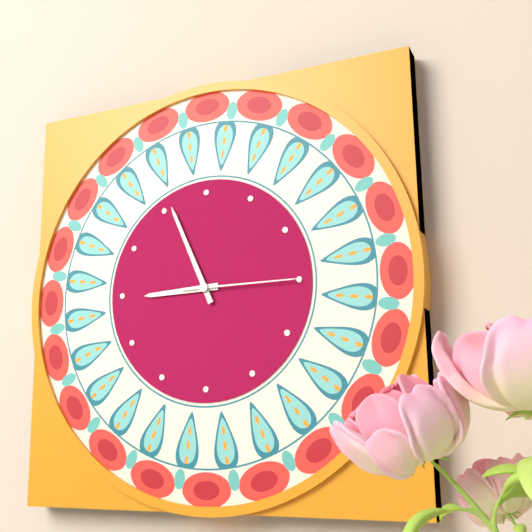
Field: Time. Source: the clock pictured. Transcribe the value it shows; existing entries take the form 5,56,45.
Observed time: 8,56,15
